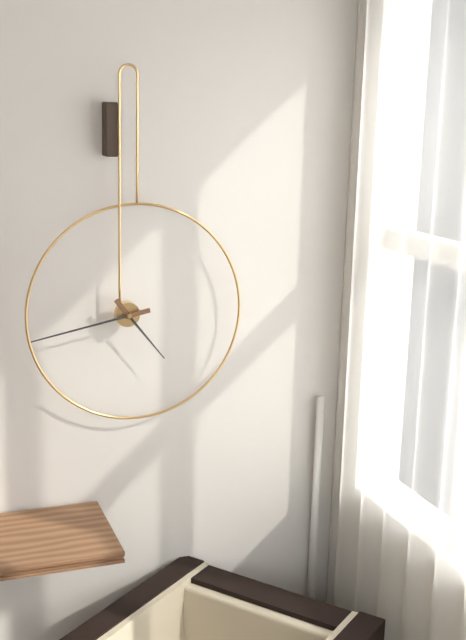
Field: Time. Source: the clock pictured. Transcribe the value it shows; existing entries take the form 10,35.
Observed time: 4,43
